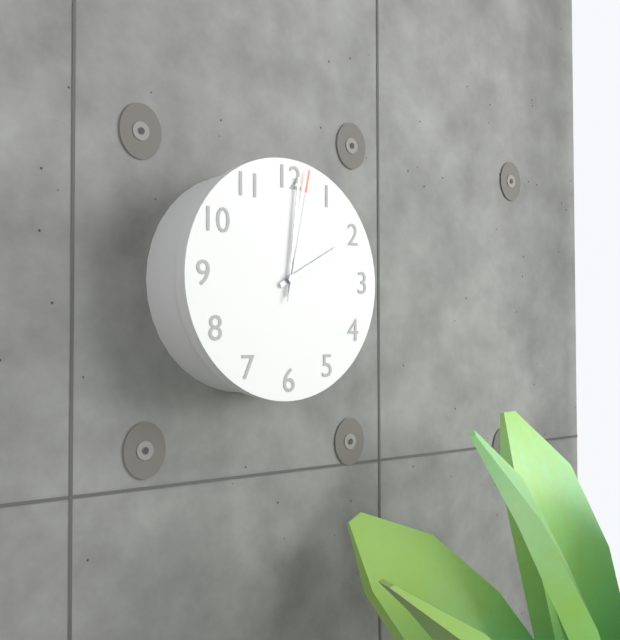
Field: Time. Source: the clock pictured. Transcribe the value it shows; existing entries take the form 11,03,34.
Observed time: 2,01,02
